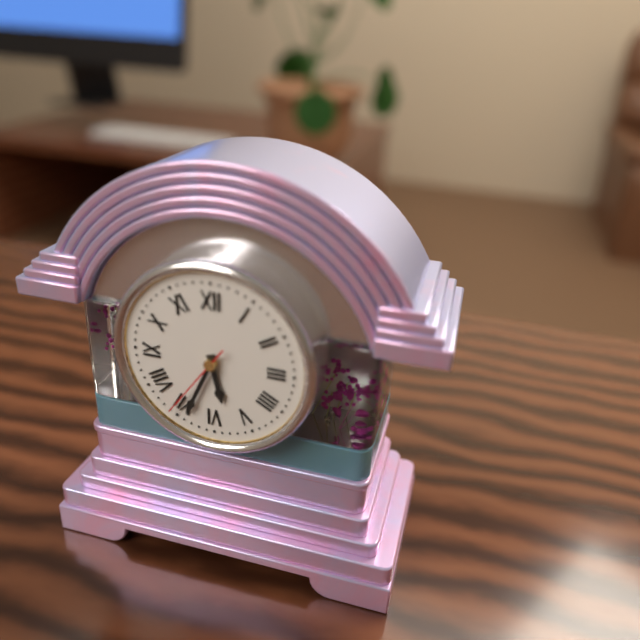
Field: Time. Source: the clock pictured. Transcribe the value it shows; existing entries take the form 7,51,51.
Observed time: 5,34,36
